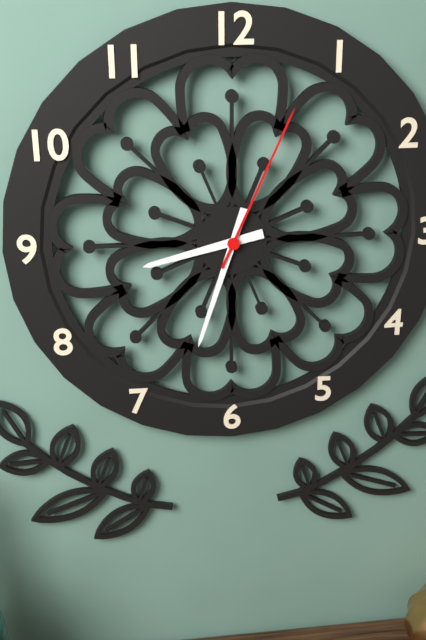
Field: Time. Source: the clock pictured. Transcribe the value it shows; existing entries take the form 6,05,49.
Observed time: 8,33,04
